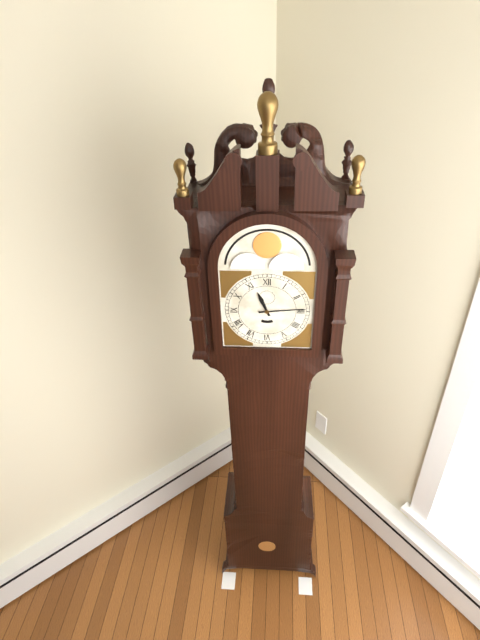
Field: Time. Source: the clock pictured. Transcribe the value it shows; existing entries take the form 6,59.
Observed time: 11,14
